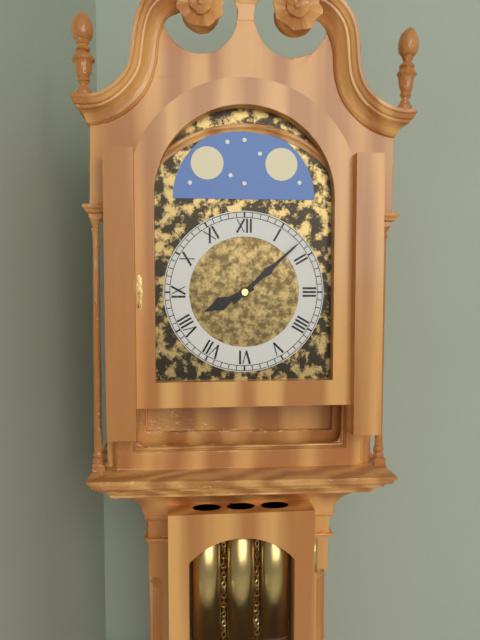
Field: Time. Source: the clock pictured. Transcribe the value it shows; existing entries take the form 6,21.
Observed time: 8,08
